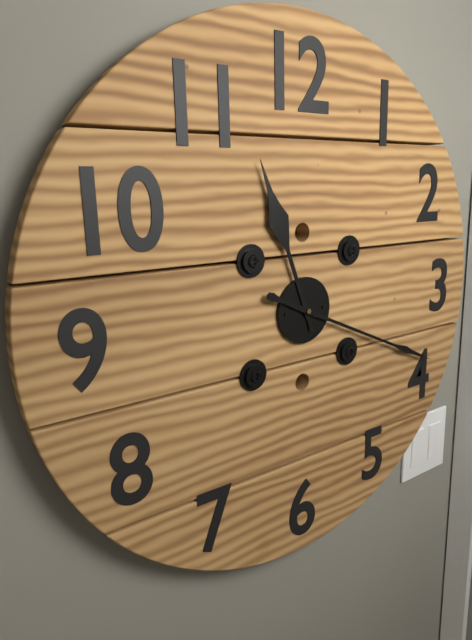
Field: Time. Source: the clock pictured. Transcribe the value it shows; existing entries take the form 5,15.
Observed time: 11,19
